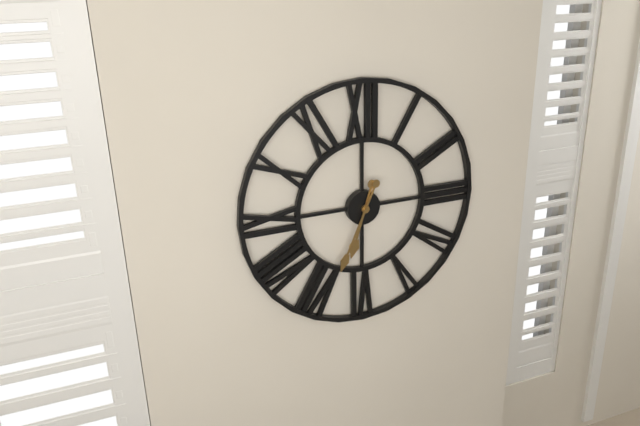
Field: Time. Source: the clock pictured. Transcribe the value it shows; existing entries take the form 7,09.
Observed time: 6,34
